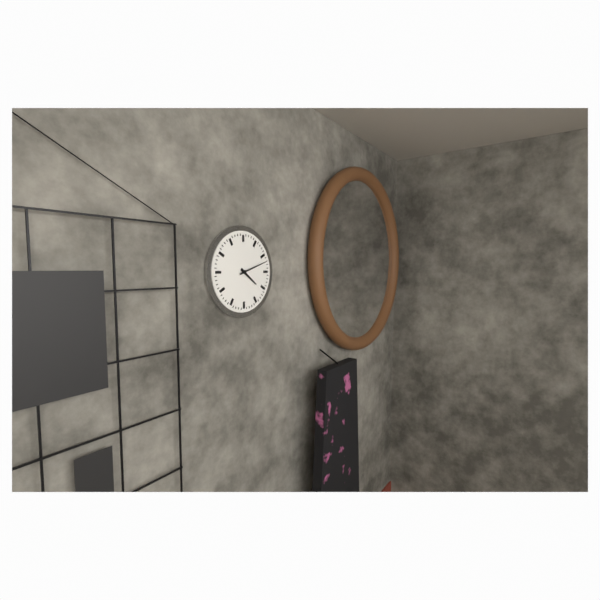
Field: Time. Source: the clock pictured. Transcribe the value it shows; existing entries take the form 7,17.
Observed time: 4,12
